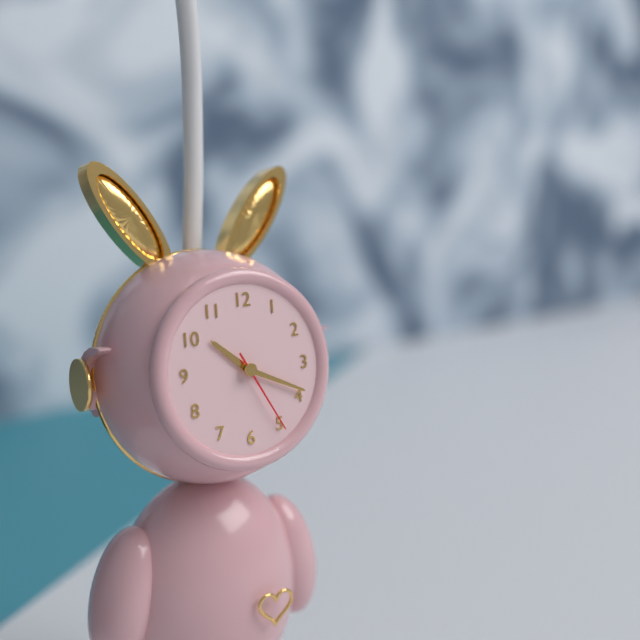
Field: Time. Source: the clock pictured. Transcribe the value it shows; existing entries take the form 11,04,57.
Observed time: 10,19,25
